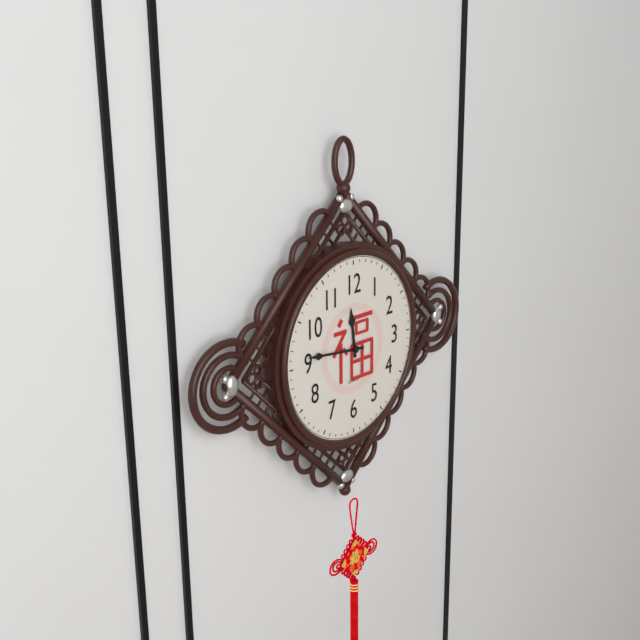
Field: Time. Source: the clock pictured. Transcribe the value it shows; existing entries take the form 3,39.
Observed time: 11,46
